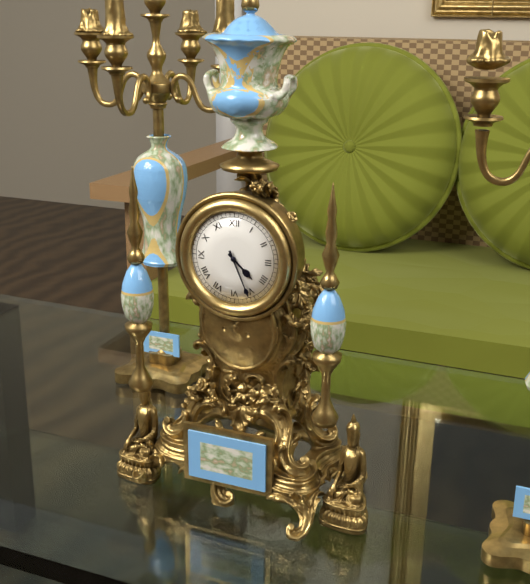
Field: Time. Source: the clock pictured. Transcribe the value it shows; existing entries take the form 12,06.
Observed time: 4,26
